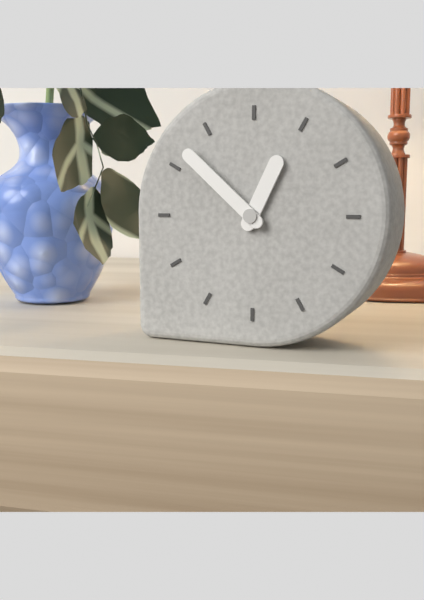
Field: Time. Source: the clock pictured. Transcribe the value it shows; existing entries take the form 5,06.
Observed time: 12,52
